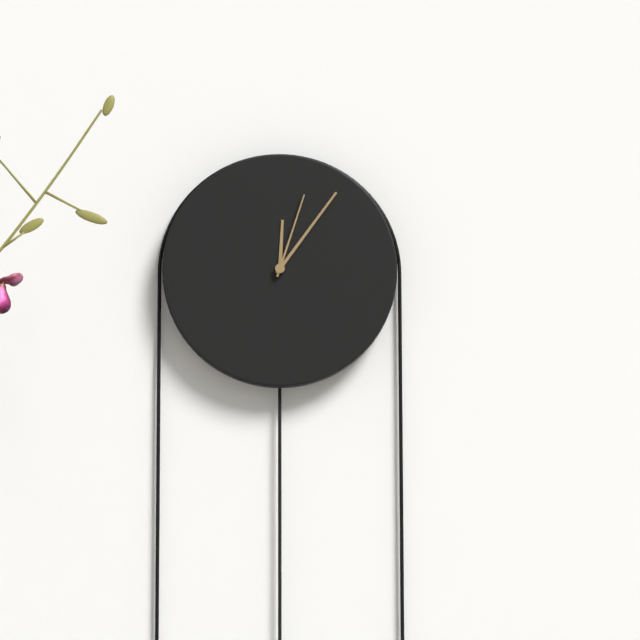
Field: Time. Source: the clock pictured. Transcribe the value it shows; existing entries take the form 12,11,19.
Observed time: 12,06,03
